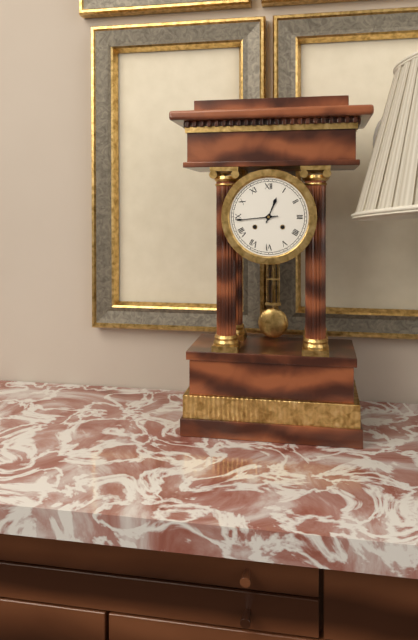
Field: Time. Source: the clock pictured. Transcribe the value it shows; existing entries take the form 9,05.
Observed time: 12,44
